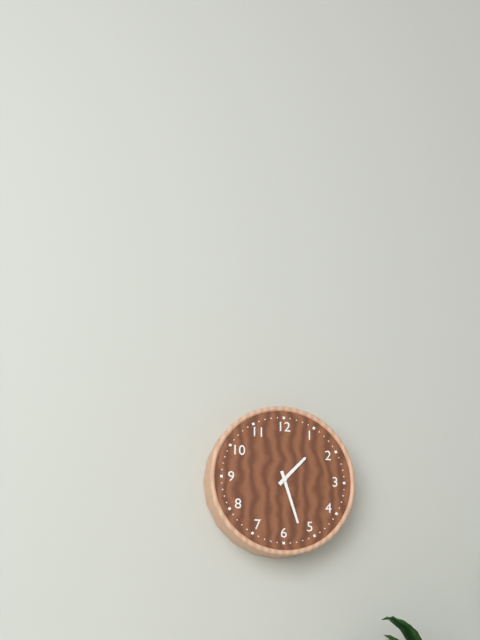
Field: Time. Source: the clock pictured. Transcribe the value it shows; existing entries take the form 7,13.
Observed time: 1,27
